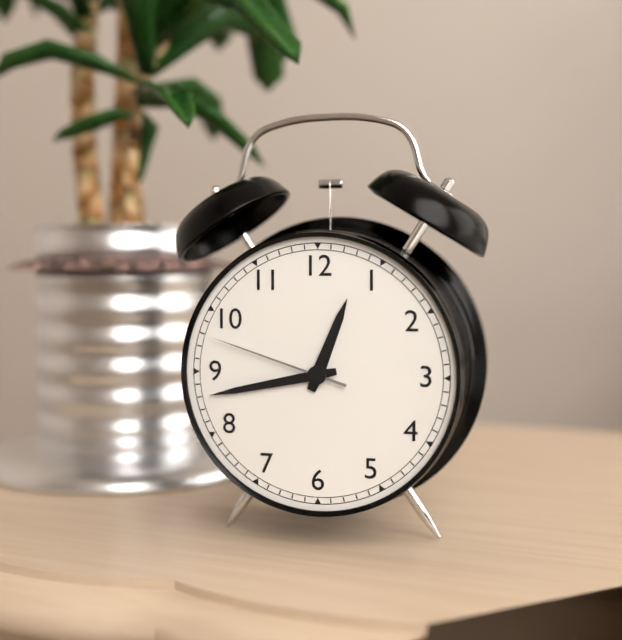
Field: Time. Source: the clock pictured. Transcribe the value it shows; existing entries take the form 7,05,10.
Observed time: 12,43,48
